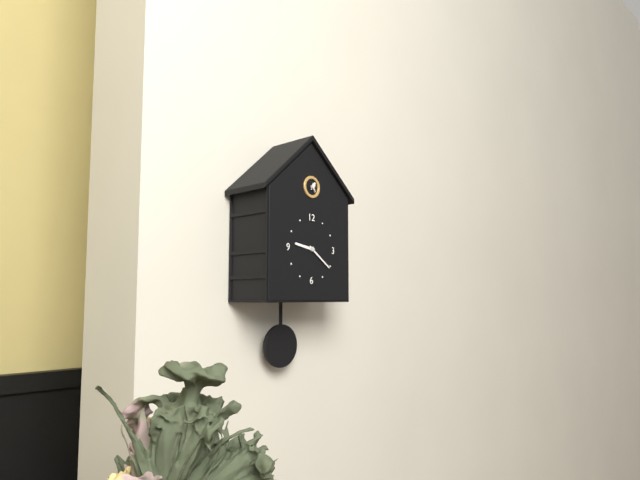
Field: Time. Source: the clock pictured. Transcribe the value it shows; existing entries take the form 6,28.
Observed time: 9,21
